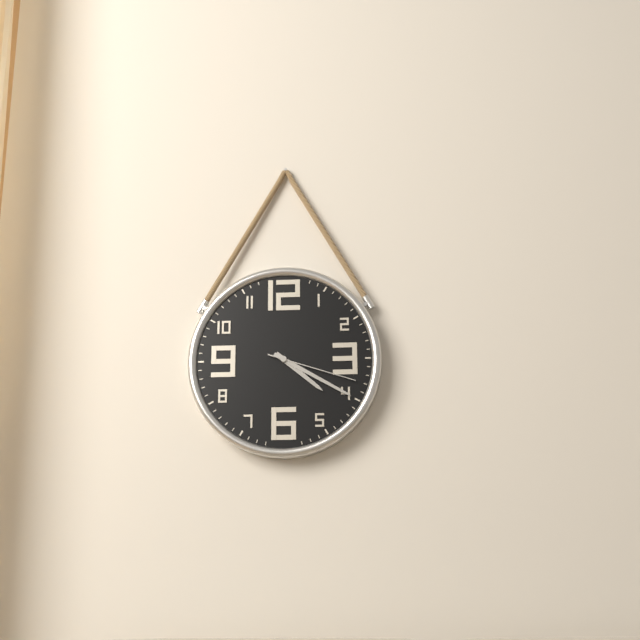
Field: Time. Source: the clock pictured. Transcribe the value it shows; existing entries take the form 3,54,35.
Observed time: 4,20,18
